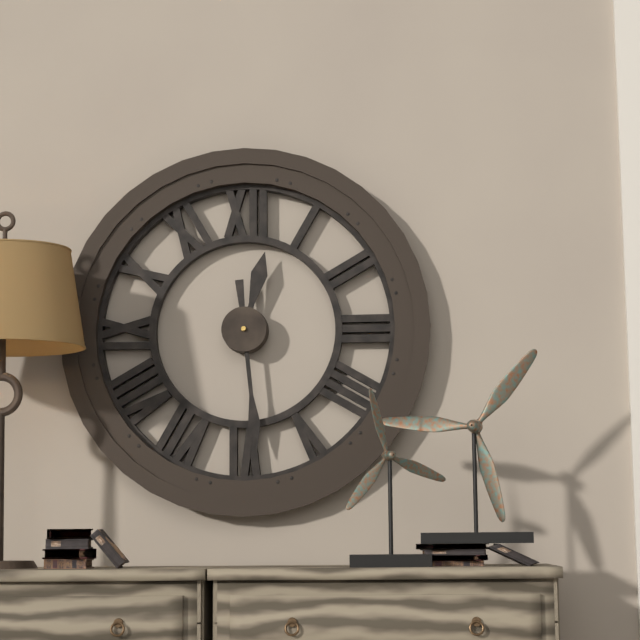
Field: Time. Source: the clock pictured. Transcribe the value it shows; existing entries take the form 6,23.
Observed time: 12,29
